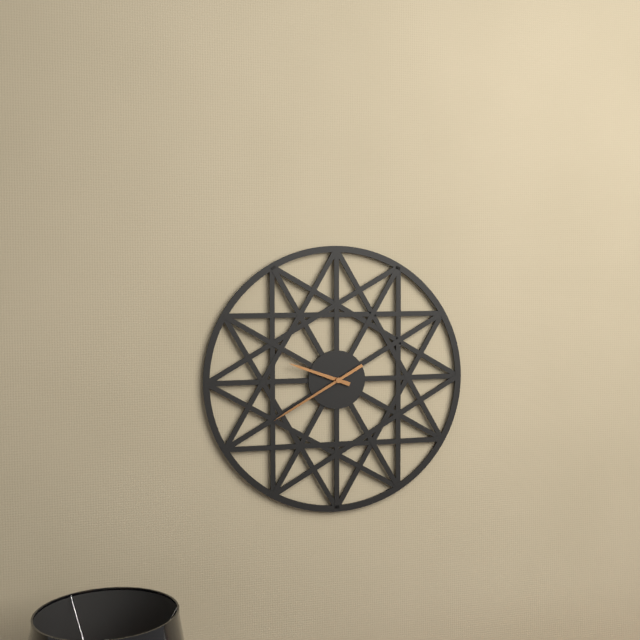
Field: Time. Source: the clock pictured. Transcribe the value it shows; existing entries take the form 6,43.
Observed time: 9,40
